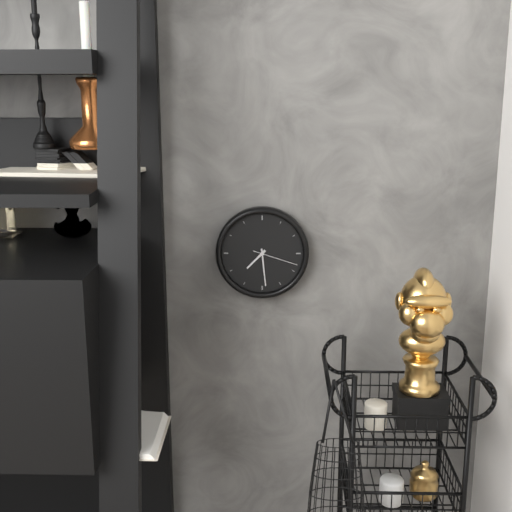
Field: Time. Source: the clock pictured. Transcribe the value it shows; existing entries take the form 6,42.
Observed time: 7,29
